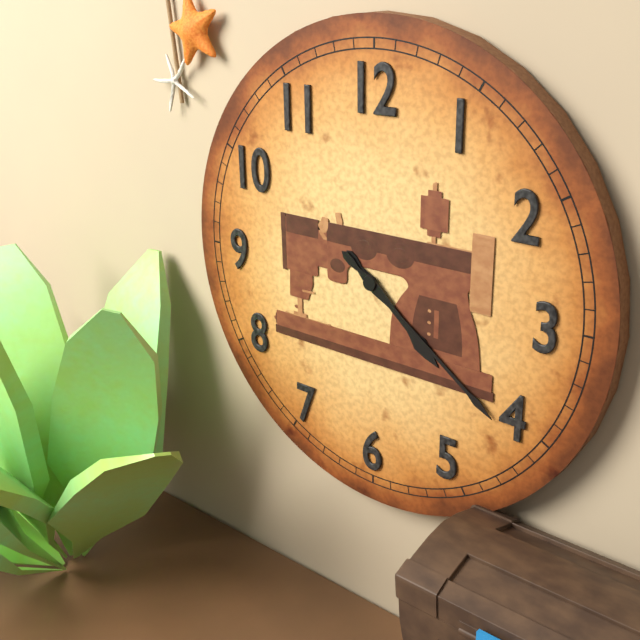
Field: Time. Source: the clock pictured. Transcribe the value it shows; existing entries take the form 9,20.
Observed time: 4,21
